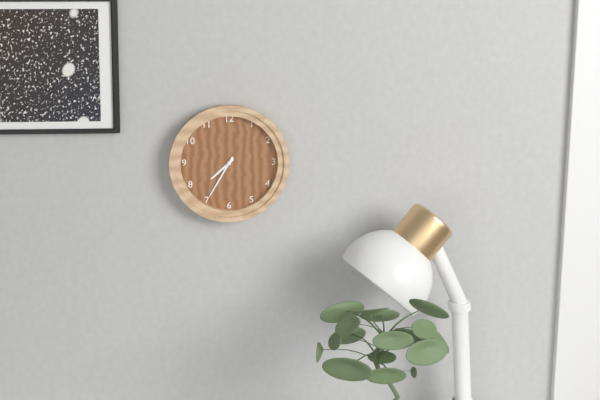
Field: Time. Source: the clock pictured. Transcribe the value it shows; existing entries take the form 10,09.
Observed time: 7,35
